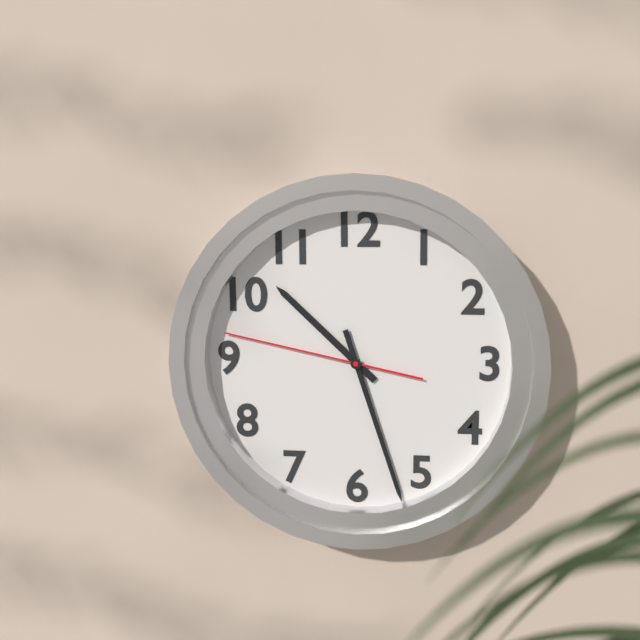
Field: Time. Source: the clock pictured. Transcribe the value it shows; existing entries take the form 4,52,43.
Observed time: 10,27,47
